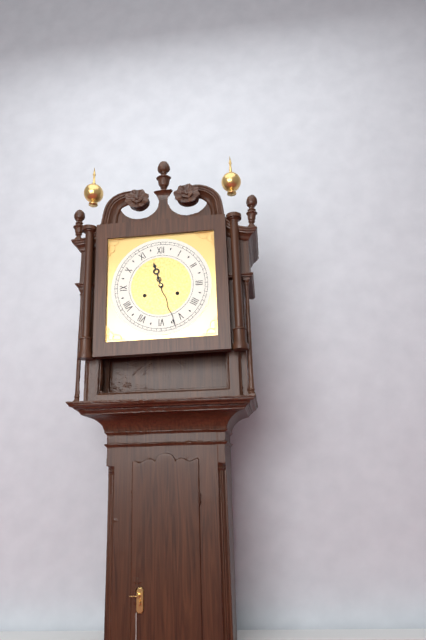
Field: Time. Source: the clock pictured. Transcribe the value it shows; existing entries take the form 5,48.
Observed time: 11,27
